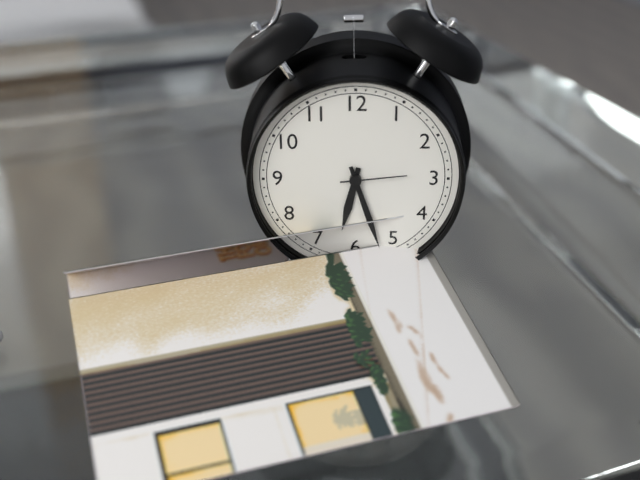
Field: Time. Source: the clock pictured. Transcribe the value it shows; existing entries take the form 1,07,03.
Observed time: 6,27,14
